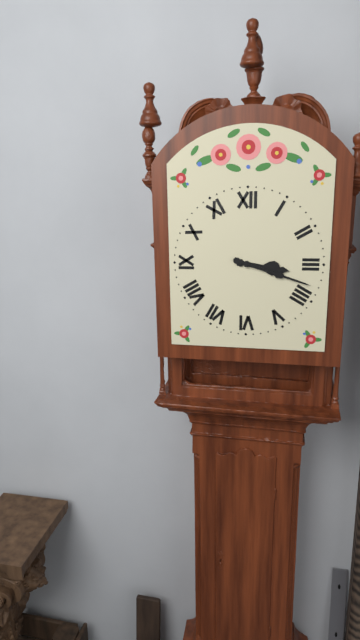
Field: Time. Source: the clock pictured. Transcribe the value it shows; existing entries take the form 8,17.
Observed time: 3,18
